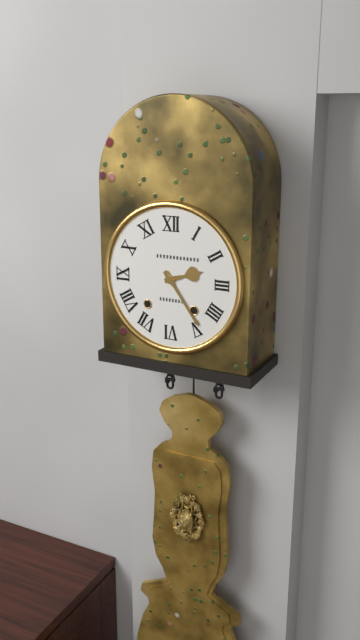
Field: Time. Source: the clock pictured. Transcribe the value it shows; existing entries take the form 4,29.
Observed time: 2,24
